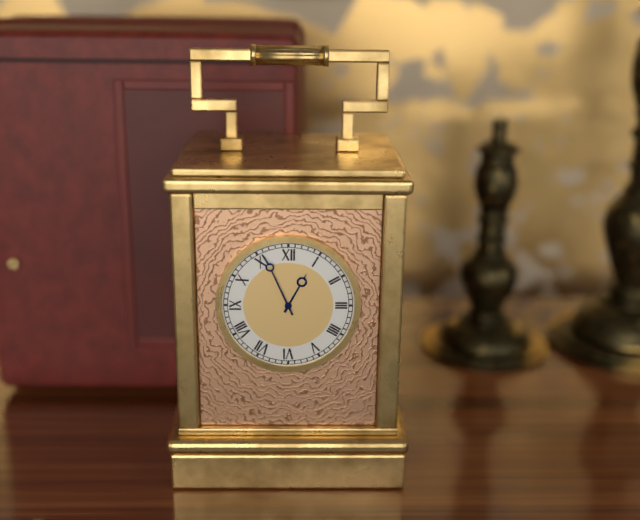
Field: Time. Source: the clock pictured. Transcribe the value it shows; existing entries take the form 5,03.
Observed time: 12,56
